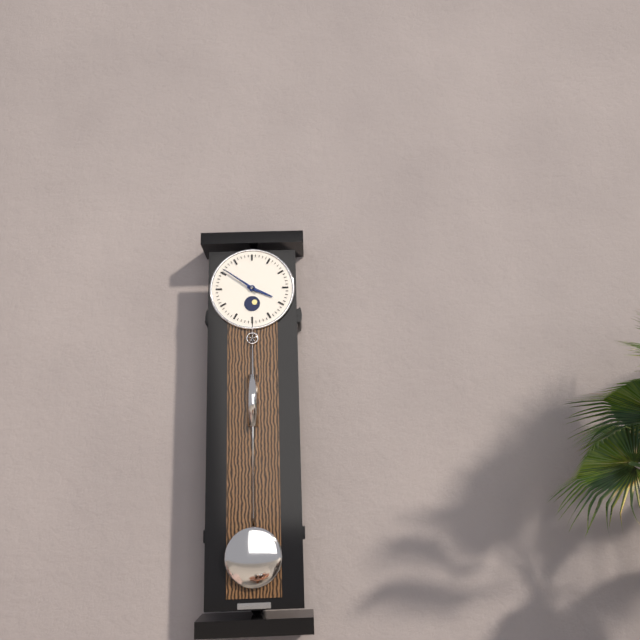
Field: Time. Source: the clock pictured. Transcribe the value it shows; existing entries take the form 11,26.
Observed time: 3,51
